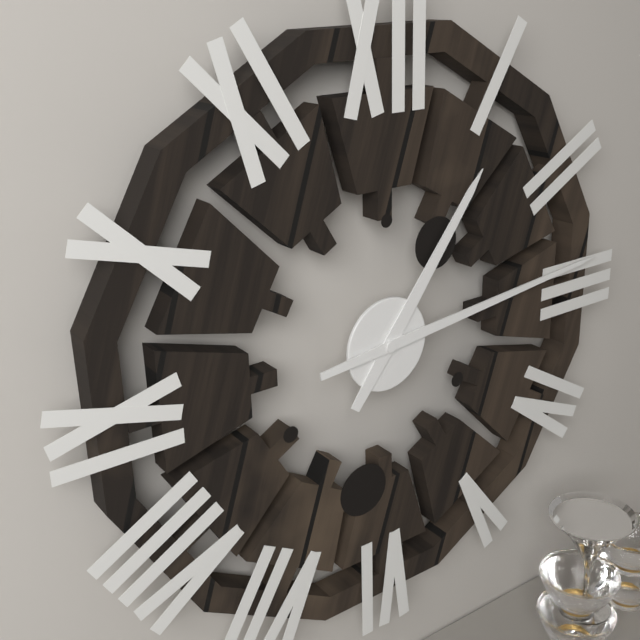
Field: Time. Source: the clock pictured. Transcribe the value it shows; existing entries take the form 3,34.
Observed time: 1,14
